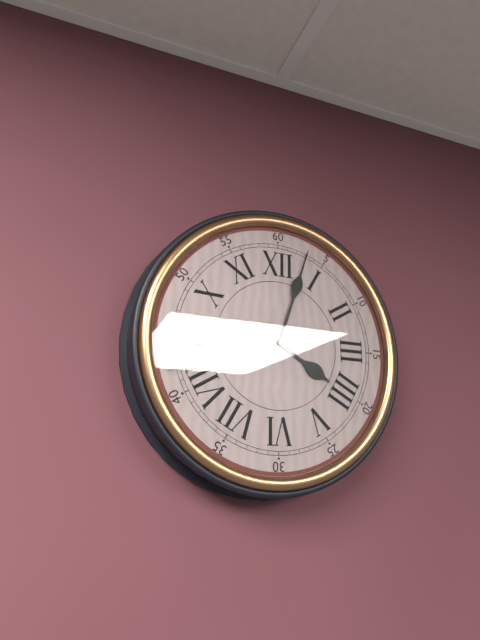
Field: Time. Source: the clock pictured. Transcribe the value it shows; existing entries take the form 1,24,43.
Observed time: 4,03,42
